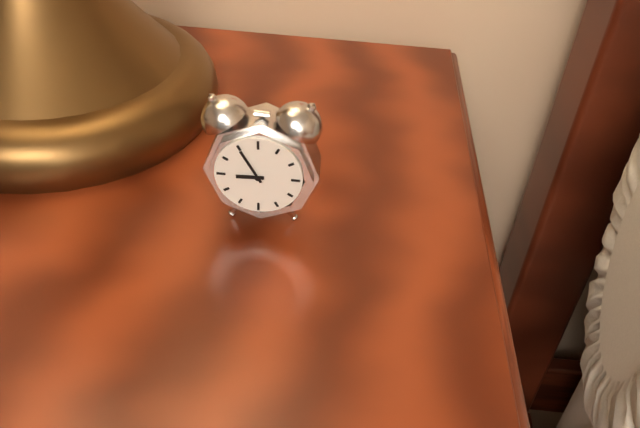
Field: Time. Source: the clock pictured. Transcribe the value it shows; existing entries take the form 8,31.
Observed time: 8,55
